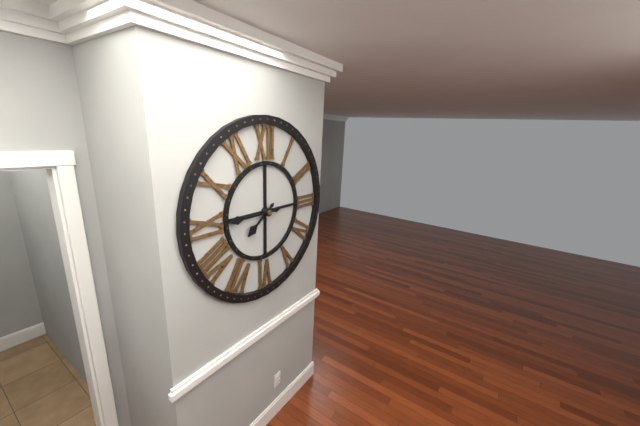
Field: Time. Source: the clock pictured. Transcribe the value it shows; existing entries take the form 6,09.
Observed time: 7,45
